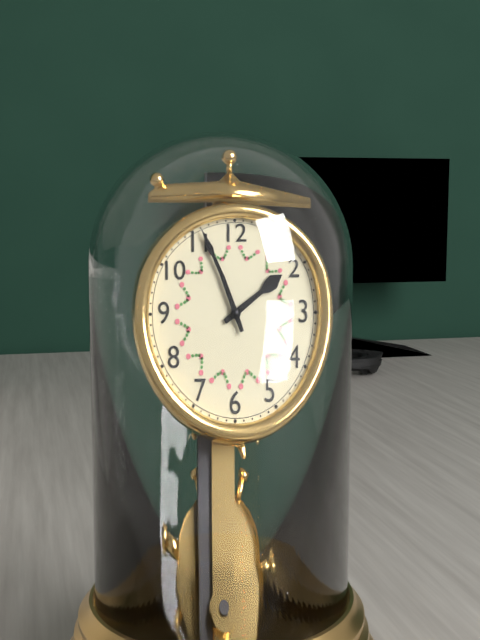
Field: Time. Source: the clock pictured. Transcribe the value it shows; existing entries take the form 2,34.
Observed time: 1,56
